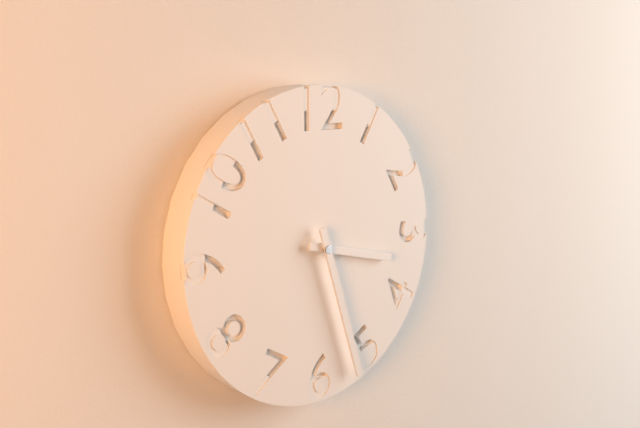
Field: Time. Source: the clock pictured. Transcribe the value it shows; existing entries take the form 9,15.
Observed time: 3,27
